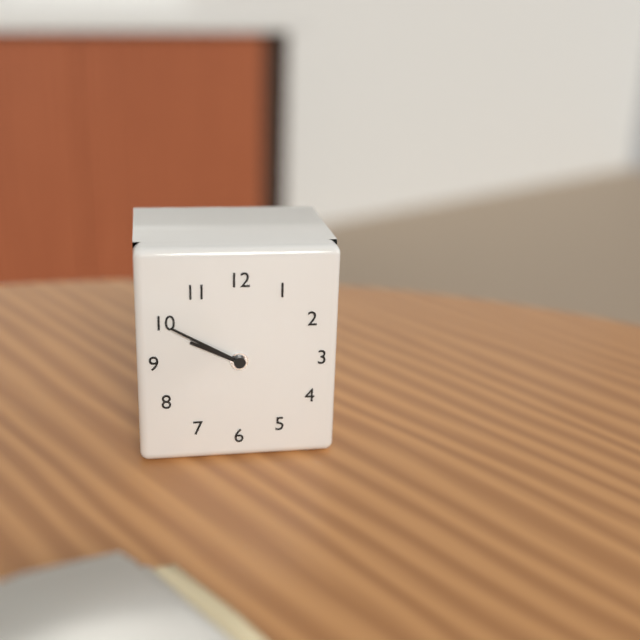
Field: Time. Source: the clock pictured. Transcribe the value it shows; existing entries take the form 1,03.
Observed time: 9,50
